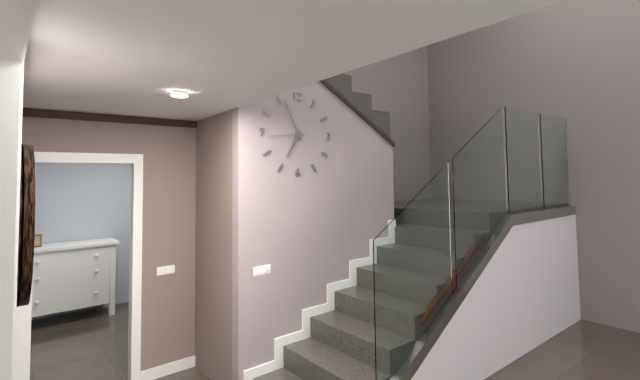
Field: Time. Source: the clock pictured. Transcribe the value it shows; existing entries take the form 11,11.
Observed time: 6,56
